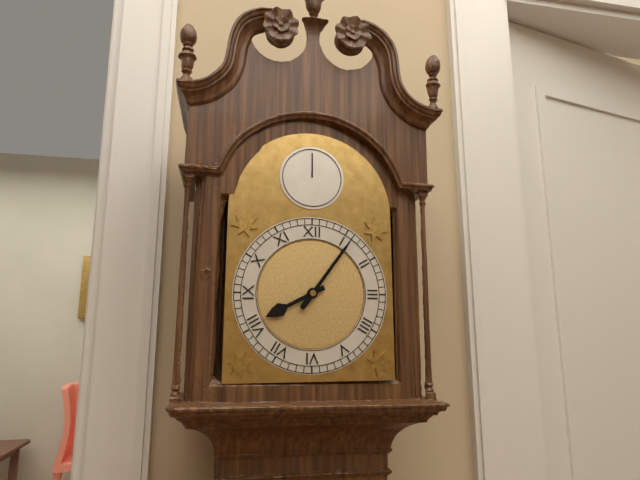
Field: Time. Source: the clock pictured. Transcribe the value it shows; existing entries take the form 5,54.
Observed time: 8,06
